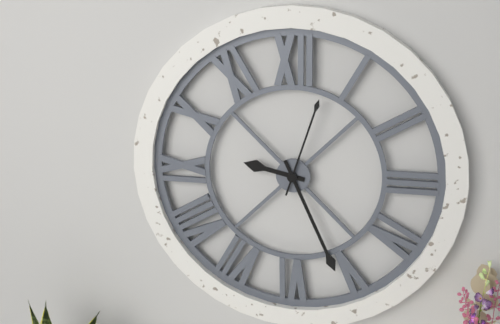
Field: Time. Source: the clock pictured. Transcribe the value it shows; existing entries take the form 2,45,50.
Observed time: 9,26,03
